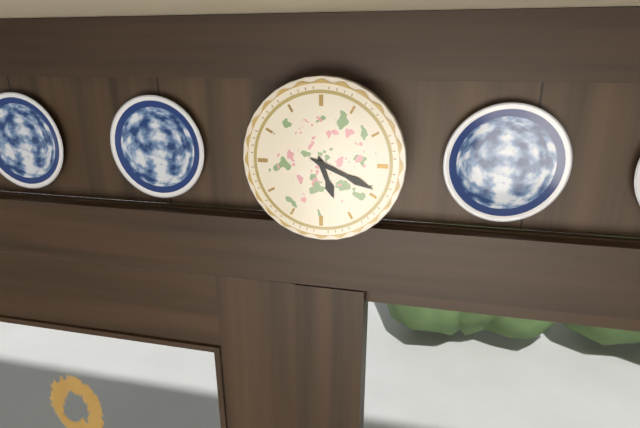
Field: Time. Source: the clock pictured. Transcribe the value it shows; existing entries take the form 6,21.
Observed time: 5,19
